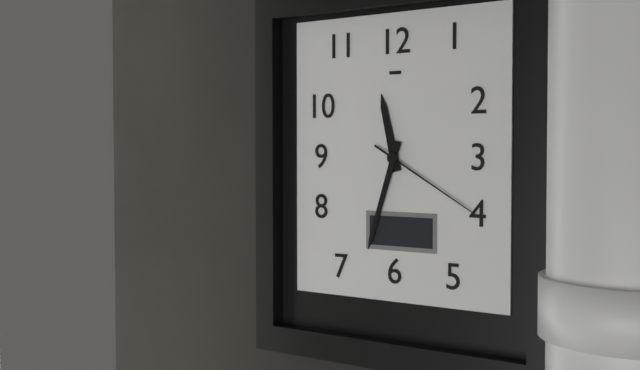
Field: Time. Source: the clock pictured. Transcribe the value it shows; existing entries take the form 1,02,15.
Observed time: 11,33,20
